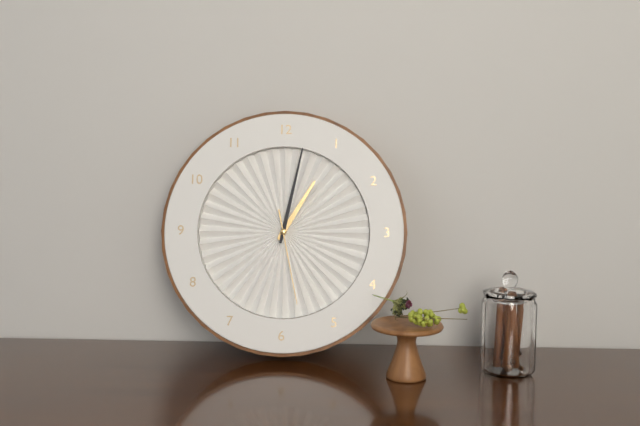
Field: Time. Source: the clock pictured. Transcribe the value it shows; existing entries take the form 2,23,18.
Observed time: 1,02,28
